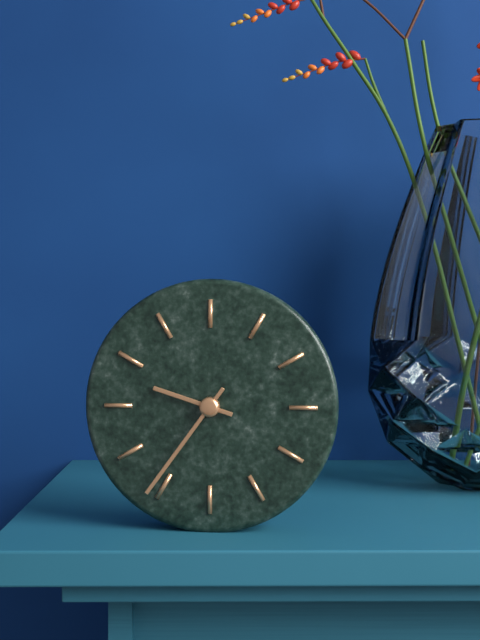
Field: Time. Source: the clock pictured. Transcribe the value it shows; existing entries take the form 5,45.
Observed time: 9,36
